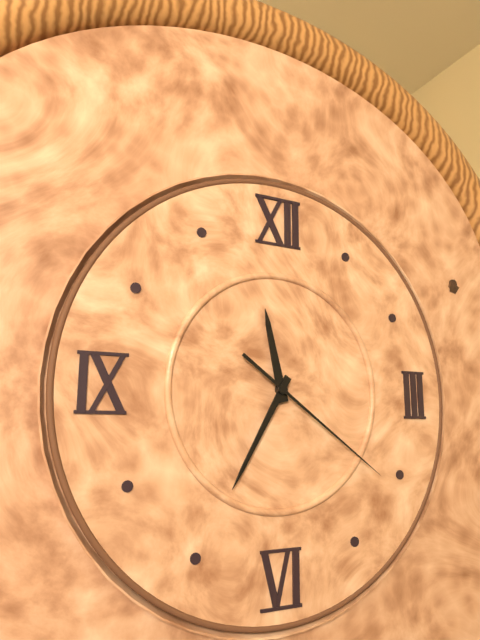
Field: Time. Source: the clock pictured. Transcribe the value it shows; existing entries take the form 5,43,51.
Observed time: 11,35,21
